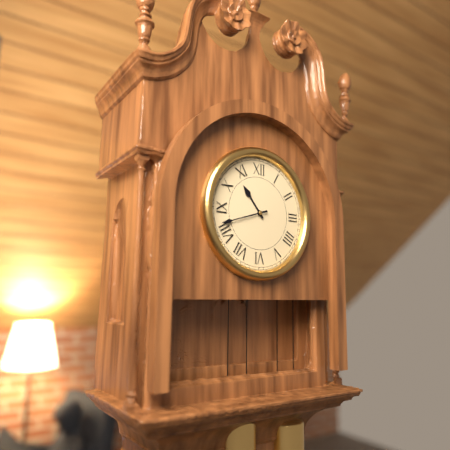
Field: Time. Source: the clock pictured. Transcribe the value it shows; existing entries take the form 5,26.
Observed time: 10,42
